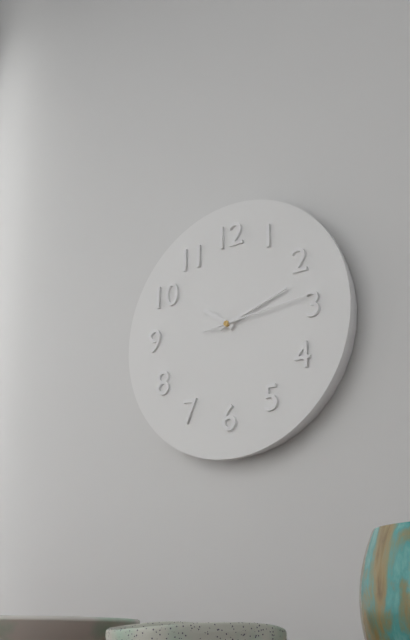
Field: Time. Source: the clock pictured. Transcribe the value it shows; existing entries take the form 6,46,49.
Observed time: 10,12,14
